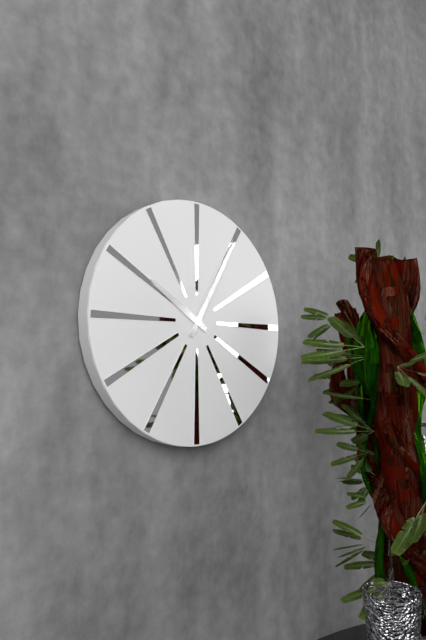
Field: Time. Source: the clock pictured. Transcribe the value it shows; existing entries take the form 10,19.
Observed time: 10,05
